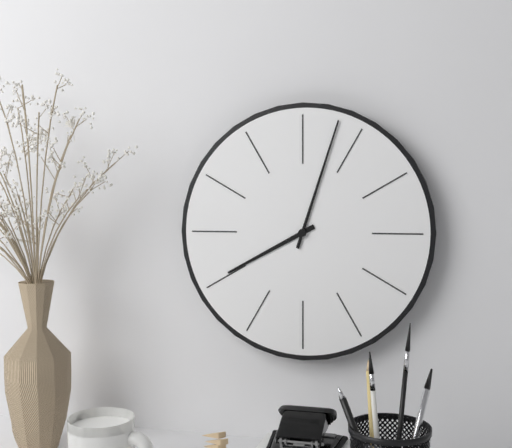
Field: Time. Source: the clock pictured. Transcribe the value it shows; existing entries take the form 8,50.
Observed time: 8,03
